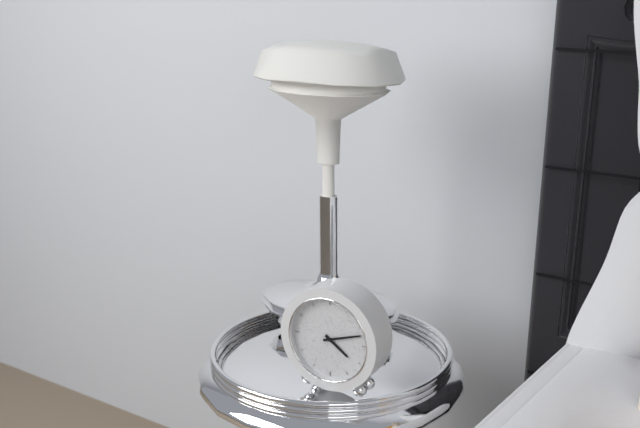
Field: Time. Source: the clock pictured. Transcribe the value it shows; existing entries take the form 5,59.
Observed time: 4,12
